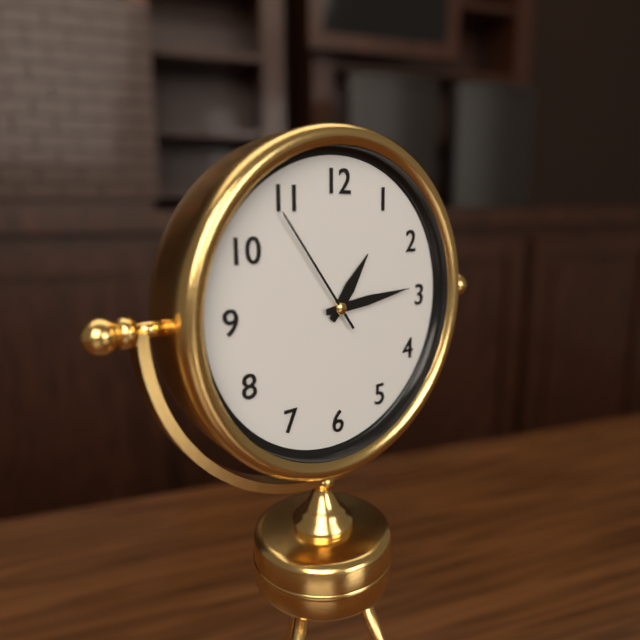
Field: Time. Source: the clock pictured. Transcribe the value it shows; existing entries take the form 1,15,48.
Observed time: 1,14,54
